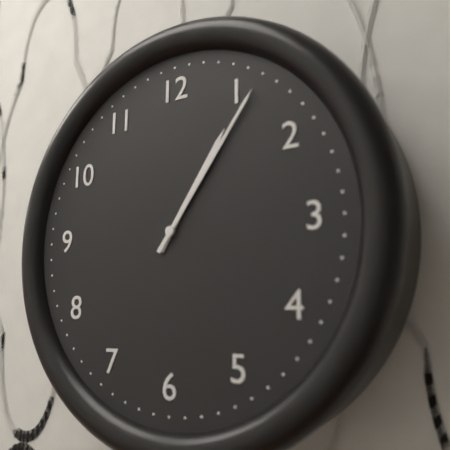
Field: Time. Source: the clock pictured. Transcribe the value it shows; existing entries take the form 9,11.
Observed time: 1,06
